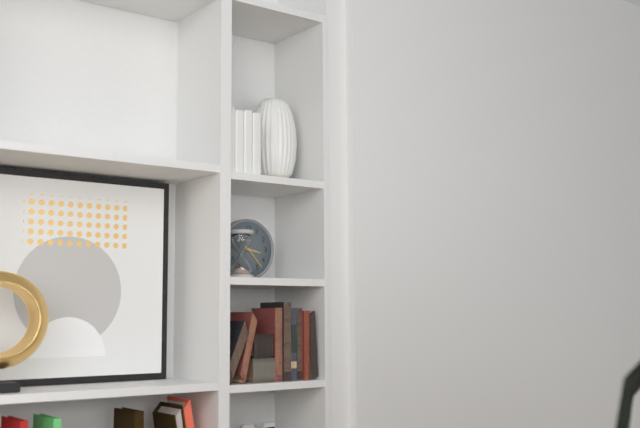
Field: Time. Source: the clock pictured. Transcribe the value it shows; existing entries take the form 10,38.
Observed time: 3,23
